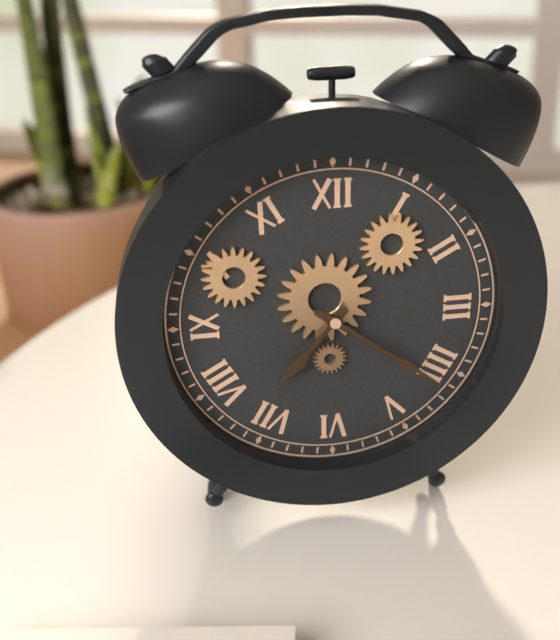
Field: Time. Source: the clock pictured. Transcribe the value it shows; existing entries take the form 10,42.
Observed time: 7,21
